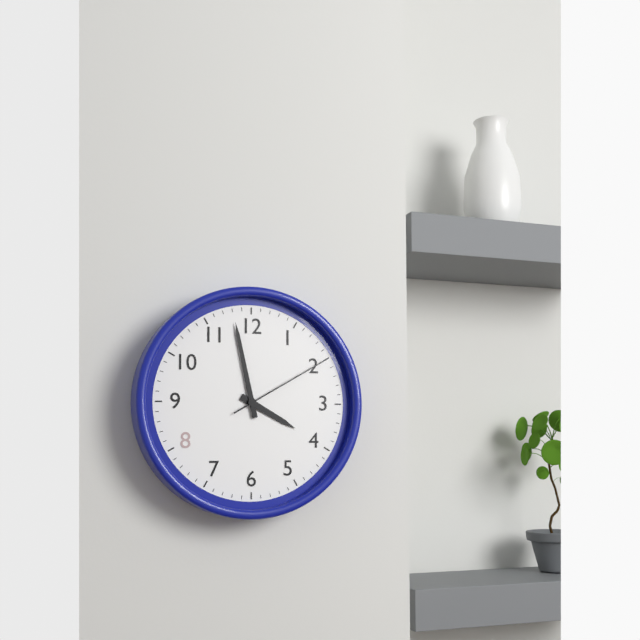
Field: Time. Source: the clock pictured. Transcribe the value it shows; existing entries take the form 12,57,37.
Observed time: 3,58,10
